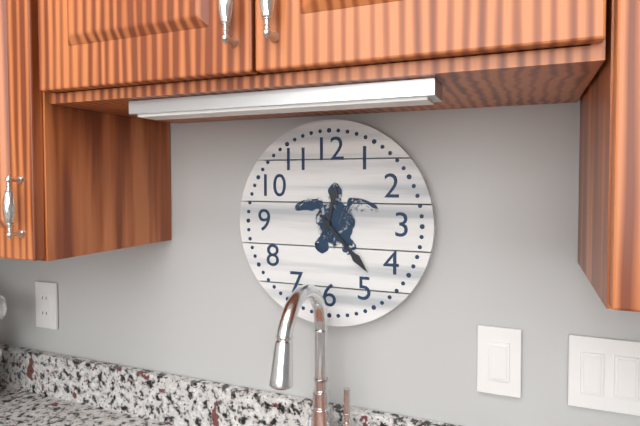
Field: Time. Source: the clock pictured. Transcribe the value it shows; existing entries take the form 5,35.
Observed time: 12,23
